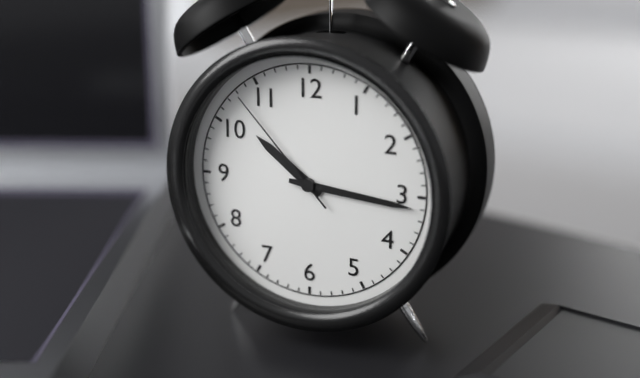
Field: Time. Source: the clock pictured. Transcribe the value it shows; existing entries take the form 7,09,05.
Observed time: 10,16,53
